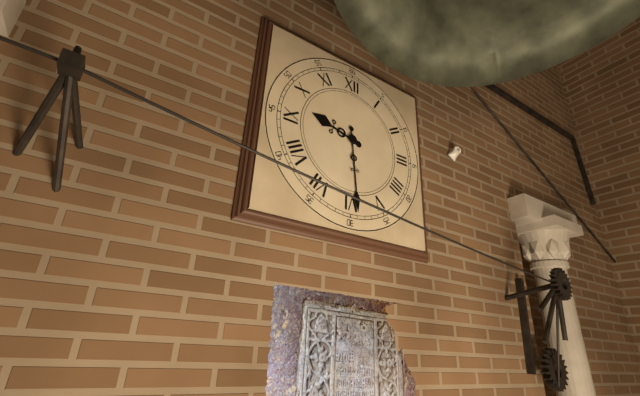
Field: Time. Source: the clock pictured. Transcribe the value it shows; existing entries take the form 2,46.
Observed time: 9,29
